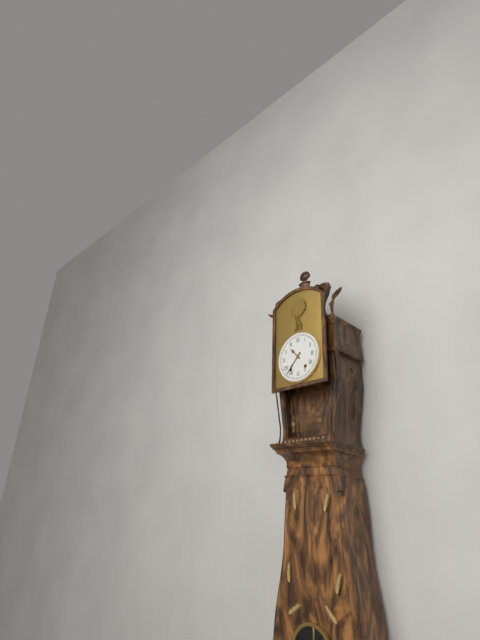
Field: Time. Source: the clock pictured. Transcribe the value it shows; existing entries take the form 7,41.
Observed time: 10,37
